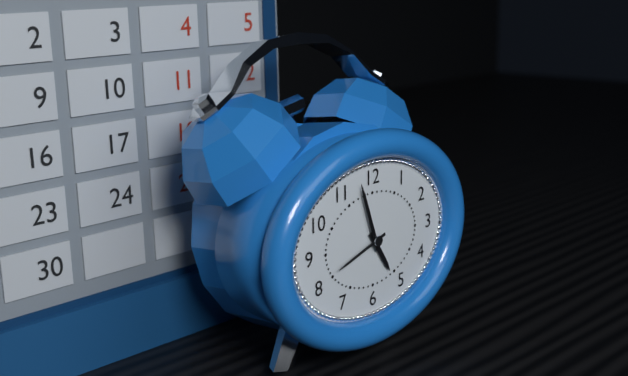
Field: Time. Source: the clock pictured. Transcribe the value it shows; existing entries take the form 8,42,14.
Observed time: 4,57,42
